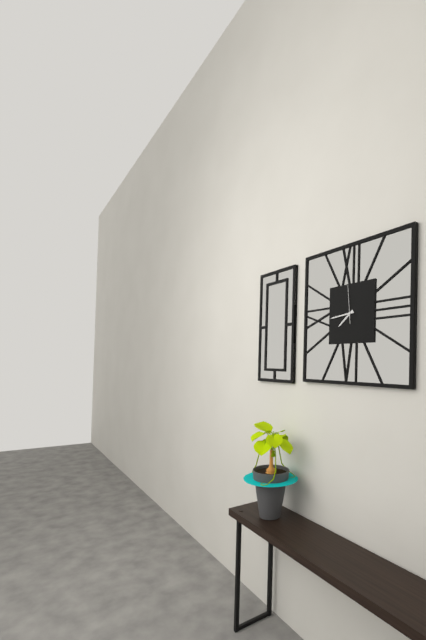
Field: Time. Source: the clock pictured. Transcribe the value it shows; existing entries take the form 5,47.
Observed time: 7,44
